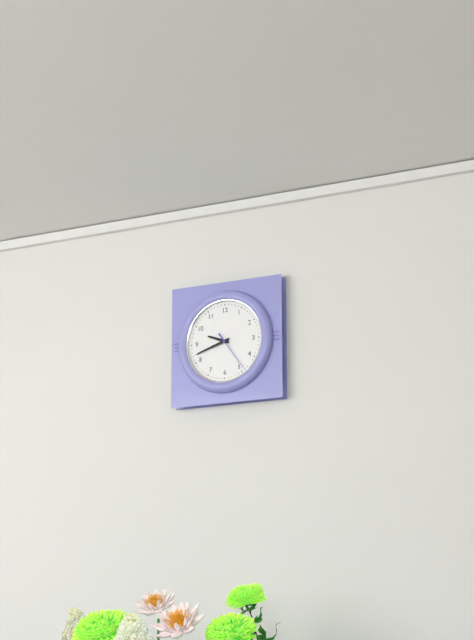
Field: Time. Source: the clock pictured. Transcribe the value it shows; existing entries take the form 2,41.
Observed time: 9,42
